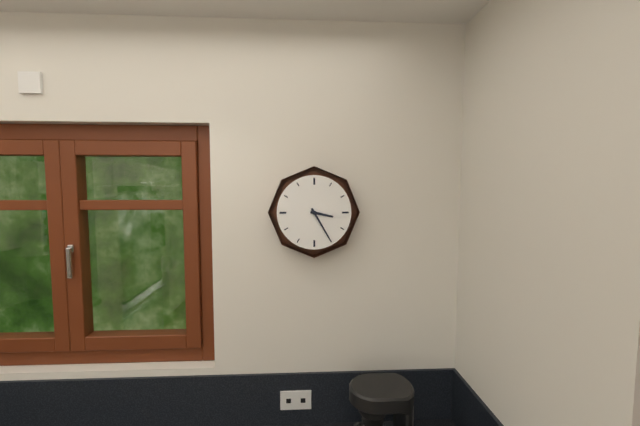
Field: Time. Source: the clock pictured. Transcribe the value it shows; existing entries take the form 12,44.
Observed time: 3,25
